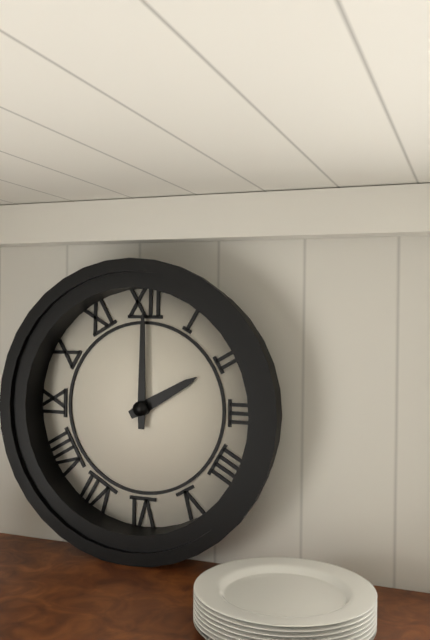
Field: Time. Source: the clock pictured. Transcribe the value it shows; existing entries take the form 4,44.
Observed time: 2,00
